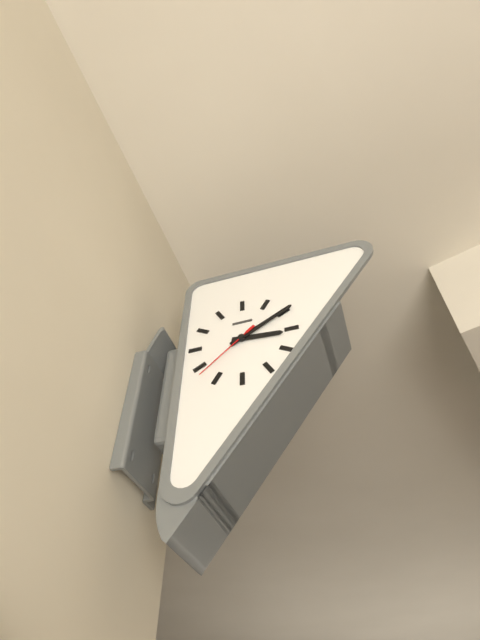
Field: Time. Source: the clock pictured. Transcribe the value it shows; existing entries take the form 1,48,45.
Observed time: 3,10,38
